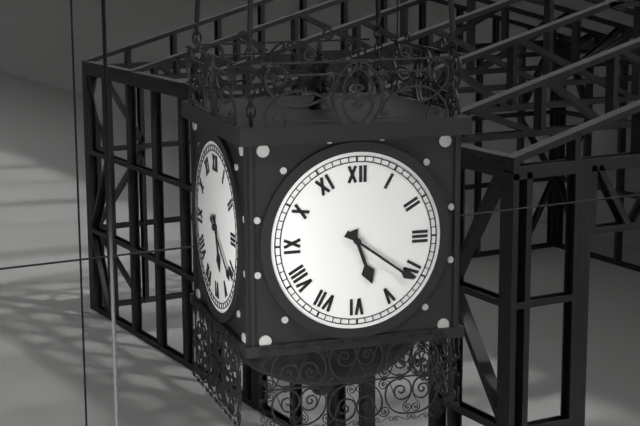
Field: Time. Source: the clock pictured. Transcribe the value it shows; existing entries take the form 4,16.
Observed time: 5,21
